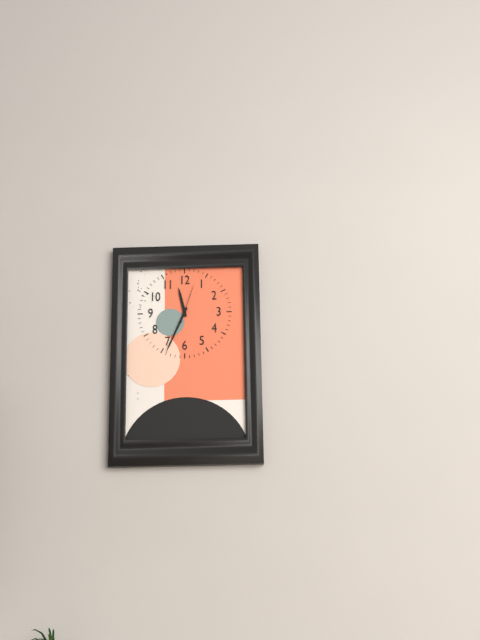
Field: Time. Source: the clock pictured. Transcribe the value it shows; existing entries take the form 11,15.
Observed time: 11,34
